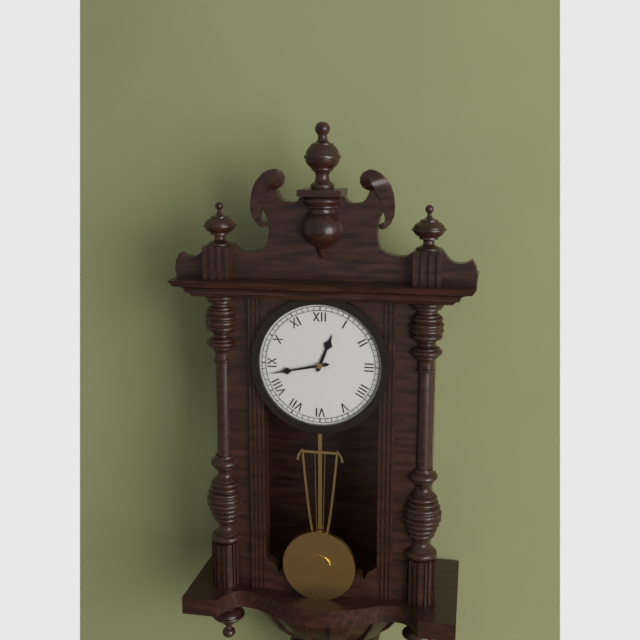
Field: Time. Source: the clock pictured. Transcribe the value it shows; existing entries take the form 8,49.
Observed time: 12,43
